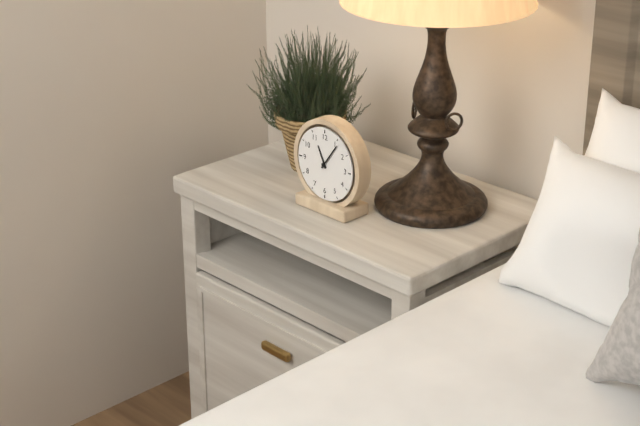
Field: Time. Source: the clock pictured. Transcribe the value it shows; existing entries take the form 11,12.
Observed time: 11,06
